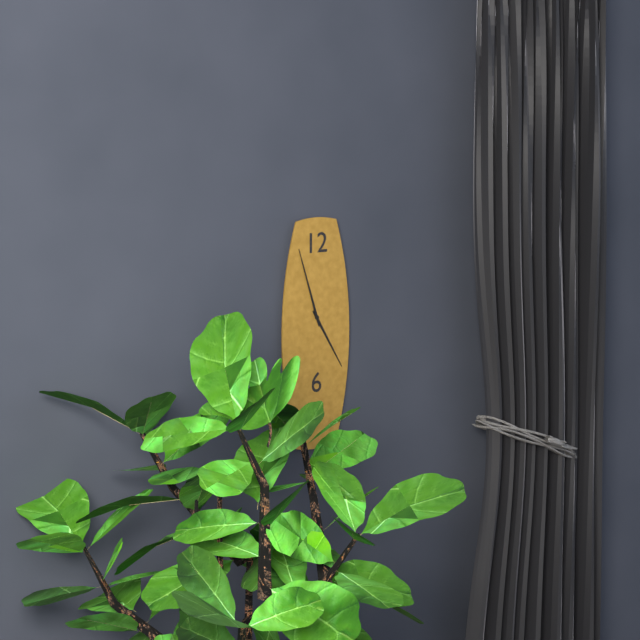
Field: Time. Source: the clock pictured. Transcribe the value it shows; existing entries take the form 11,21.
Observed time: 4,57
